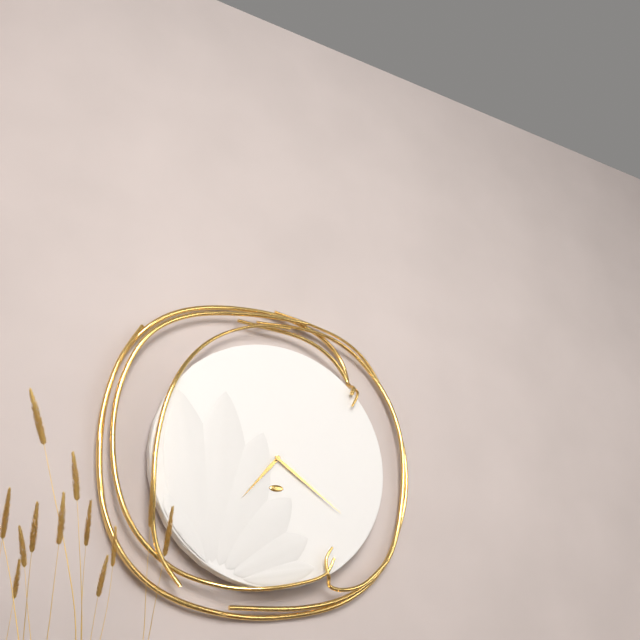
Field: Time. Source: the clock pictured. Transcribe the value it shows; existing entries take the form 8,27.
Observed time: 7,21
